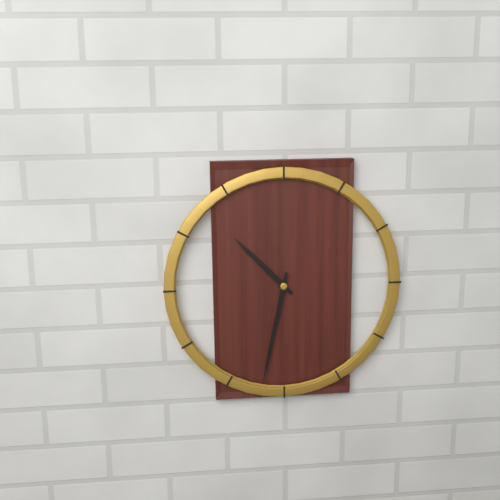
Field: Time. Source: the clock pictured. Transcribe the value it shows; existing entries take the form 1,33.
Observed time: 10,32
